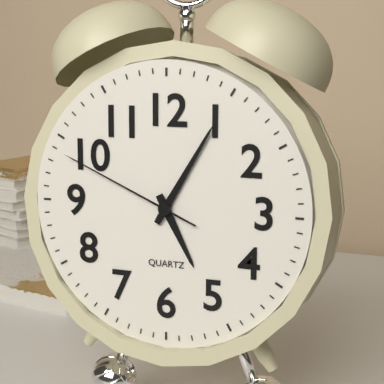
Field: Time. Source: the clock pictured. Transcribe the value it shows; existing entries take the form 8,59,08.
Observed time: 5,05,49
